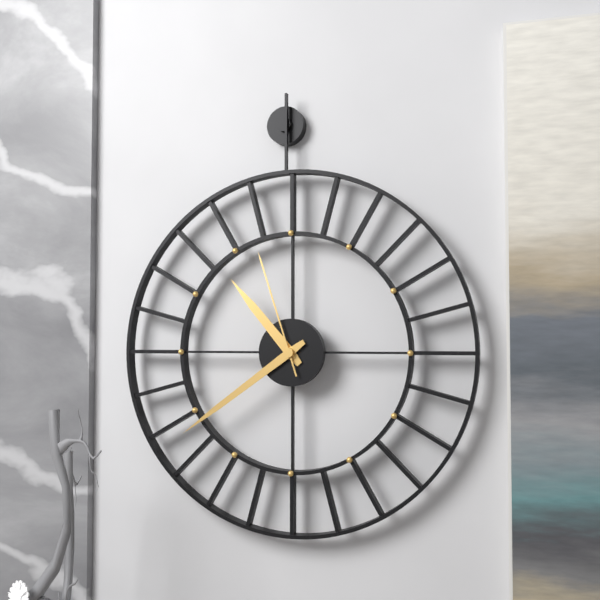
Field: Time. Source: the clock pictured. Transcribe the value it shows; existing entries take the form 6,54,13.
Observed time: 10,39,57
